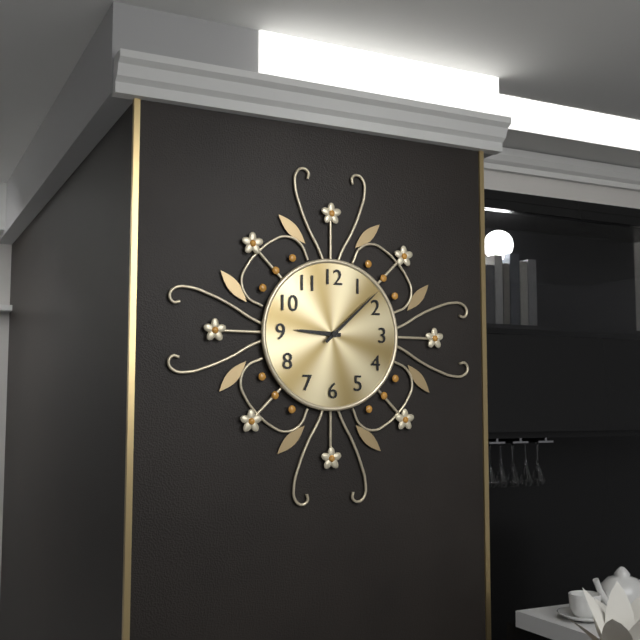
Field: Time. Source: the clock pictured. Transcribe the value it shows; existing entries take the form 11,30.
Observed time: 9,08
